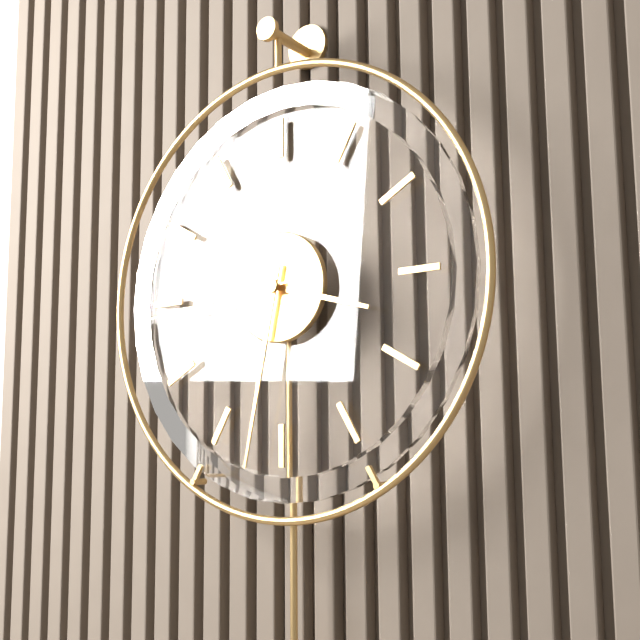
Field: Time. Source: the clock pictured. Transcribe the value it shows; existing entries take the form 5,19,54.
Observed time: 3,32,44
